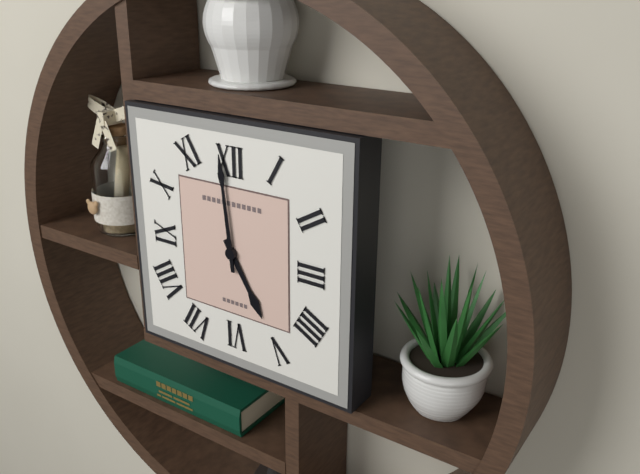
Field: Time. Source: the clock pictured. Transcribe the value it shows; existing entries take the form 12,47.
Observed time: 4,59
